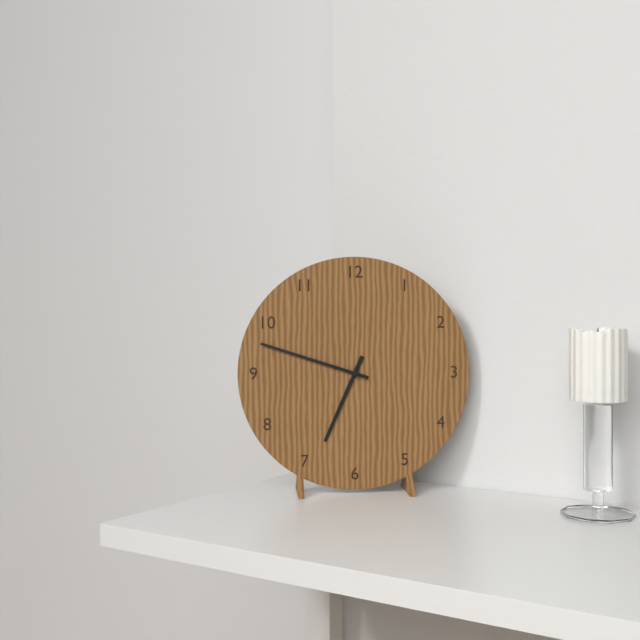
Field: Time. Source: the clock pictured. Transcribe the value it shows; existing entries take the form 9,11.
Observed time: 6,48
